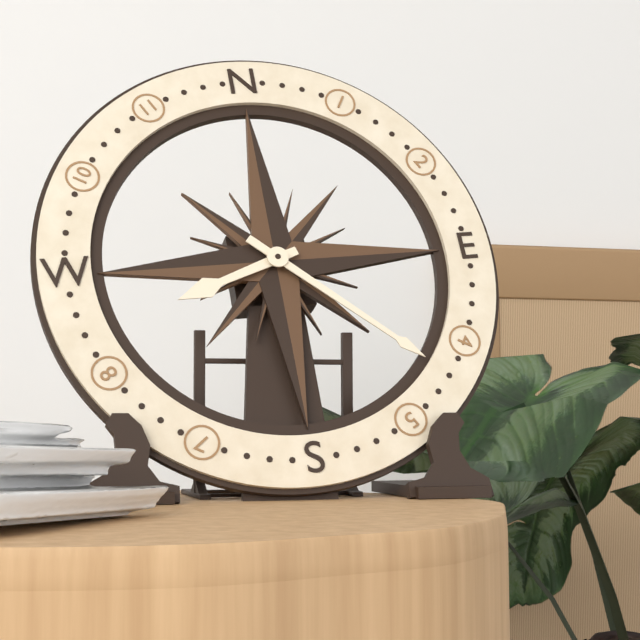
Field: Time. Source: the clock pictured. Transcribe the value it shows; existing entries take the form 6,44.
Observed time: 8,22
